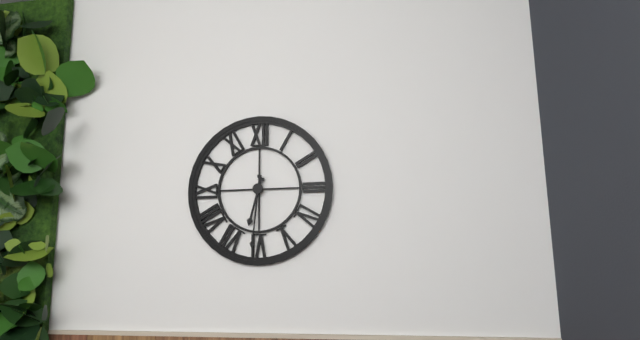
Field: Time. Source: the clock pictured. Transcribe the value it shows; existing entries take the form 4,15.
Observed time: 6,31
